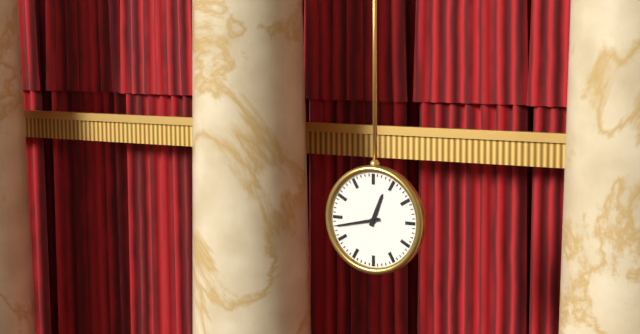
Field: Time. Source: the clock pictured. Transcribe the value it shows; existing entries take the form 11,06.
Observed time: 12,43
